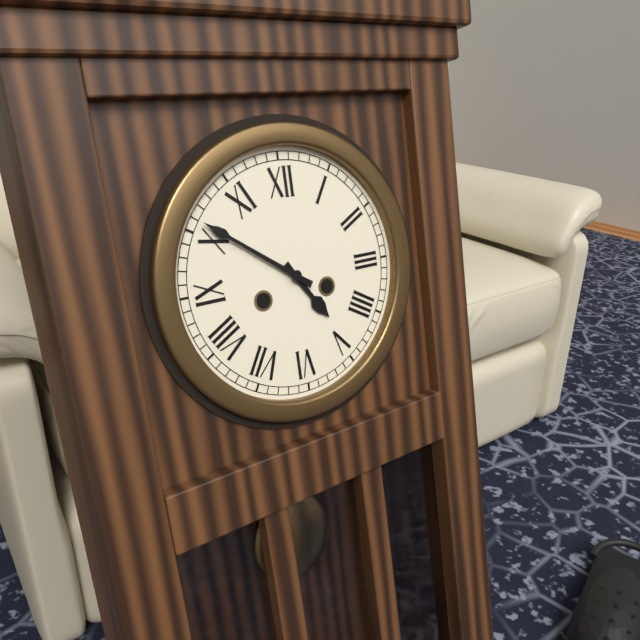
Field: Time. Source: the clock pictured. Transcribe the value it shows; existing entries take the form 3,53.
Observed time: 4,51
